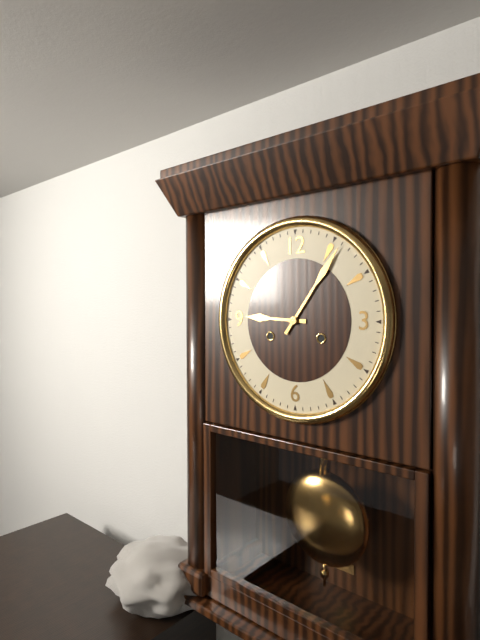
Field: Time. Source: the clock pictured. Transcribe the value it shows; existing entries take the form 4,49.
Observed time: 9,06
